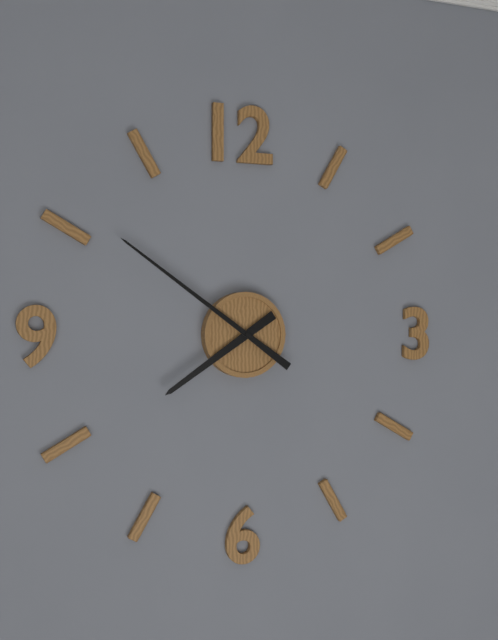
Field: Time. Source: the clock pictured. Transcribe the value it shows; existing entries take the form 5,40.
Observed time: 7,51
